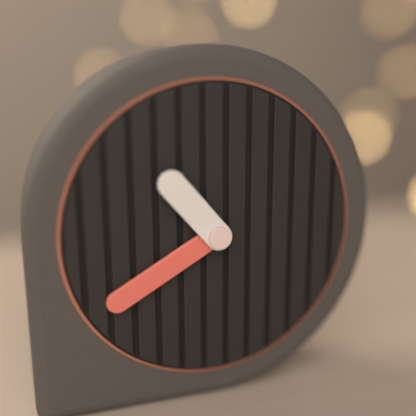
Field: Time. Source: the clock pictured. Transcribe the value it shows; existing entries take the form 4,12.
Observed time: 10,40
